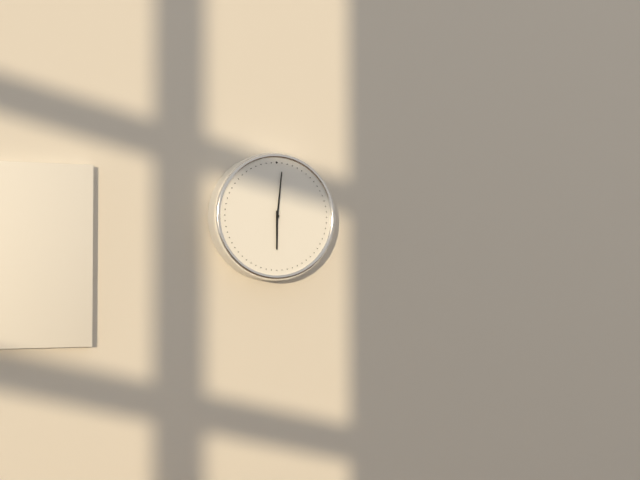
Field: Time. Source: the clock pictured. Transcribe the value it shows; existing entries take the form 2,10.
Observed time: 6,01
